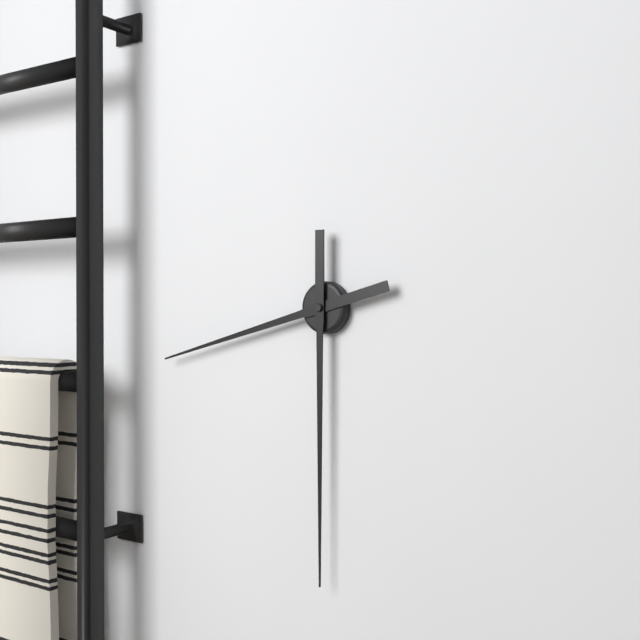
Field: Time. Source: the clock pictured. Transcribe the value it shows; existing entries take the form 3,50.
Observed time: 8,30
